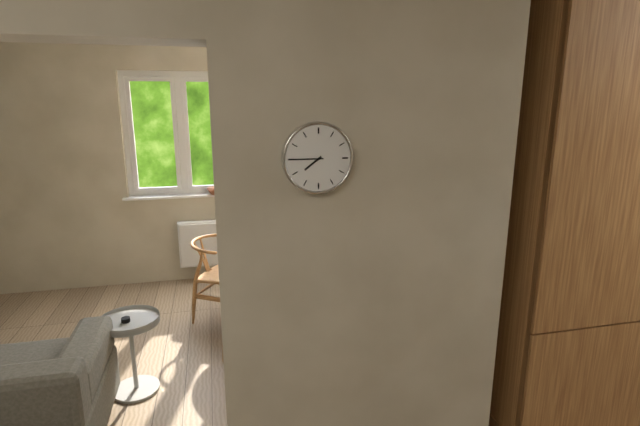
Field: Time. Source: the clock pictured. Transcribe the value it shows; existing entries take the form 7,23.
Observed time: 7,45
